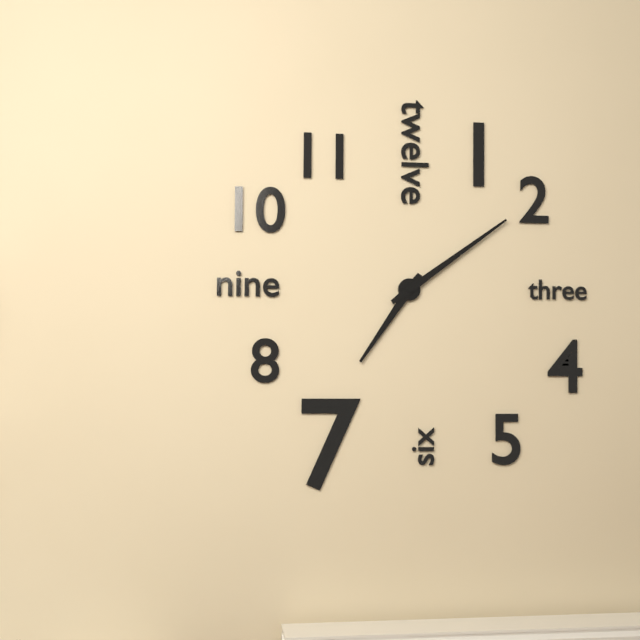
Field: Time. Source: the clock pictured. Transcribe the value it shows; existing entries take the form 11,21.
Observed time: 7,09
